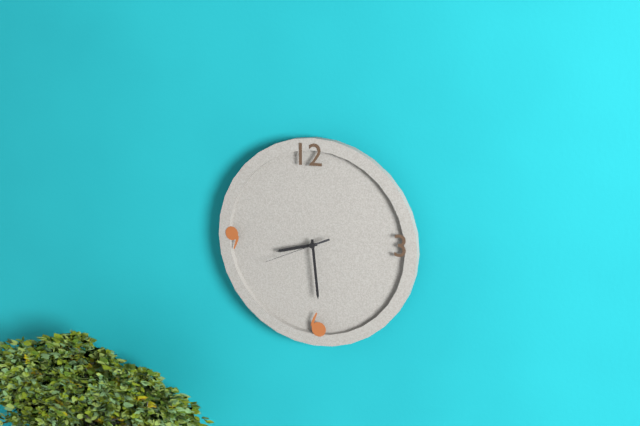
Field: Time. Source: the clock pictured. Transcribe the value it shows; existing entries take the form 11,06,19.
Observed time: 8,29,41
